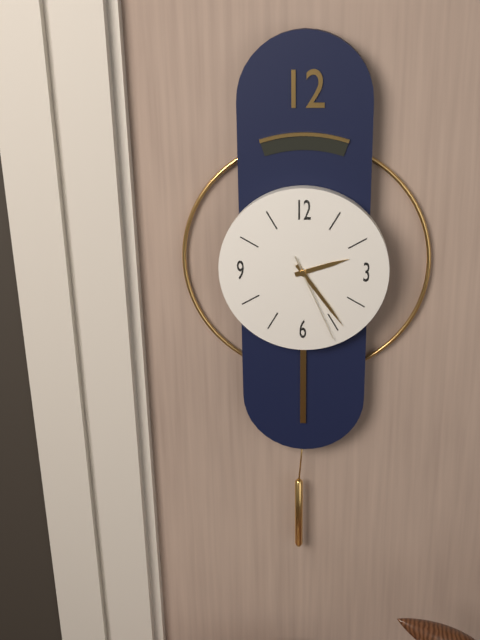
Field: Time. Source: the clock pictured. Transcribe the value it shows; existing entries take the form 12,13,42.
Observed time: 2,24,26
